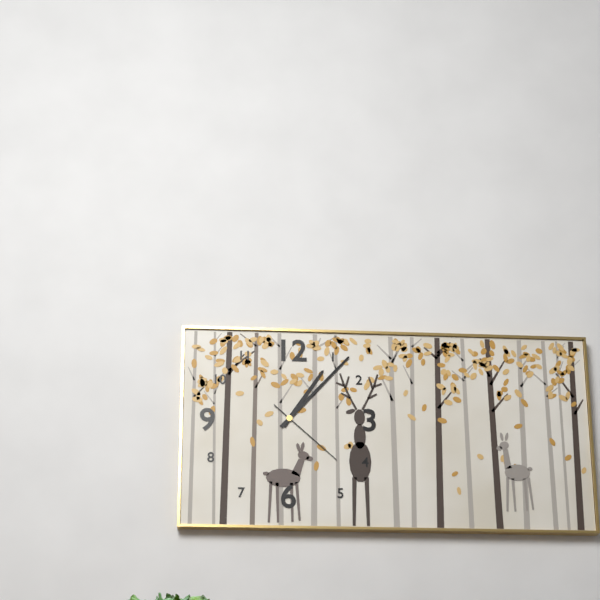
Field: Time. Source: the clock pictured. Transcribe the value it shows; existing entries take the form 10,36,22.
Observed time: 1,07,22
